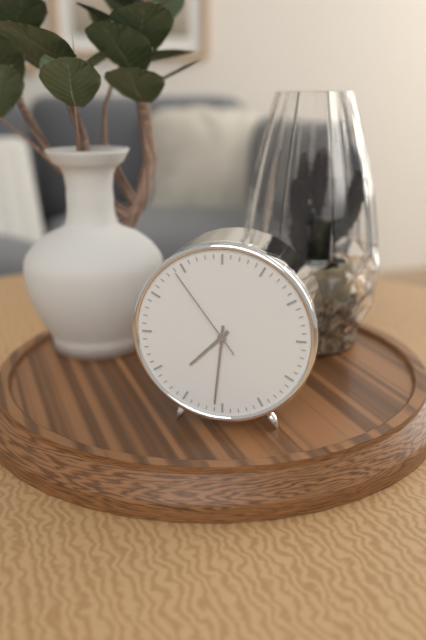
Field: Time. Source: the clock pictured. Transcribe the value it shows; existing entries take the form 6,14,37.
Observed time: 7,31,54
